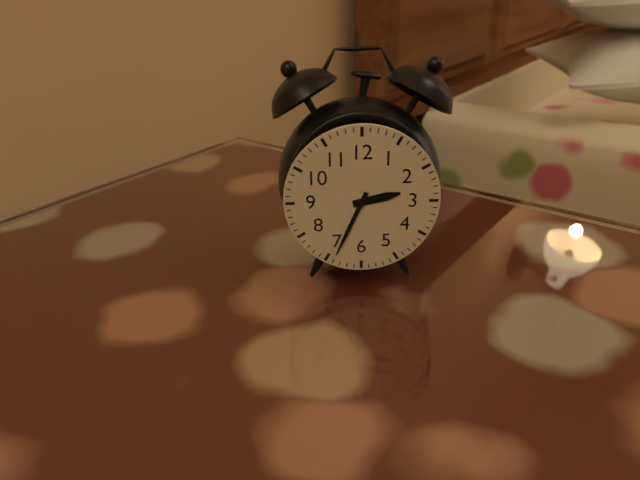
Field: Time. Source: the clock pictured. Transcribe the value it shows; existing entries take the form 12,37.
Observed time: 2,34
